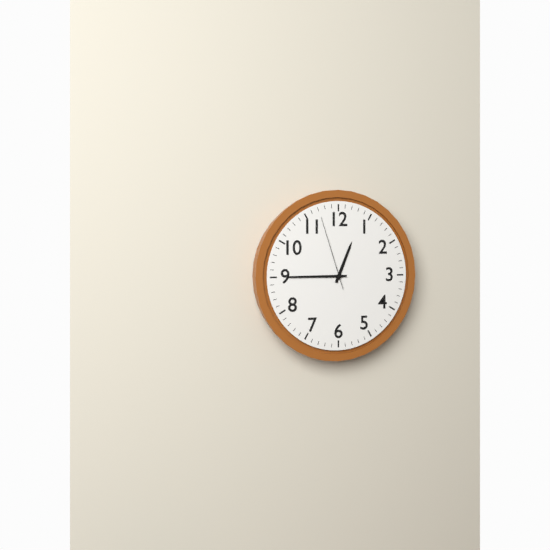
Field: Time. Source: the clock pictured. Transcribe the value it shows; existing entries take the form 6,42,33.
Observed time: 12,45,57
